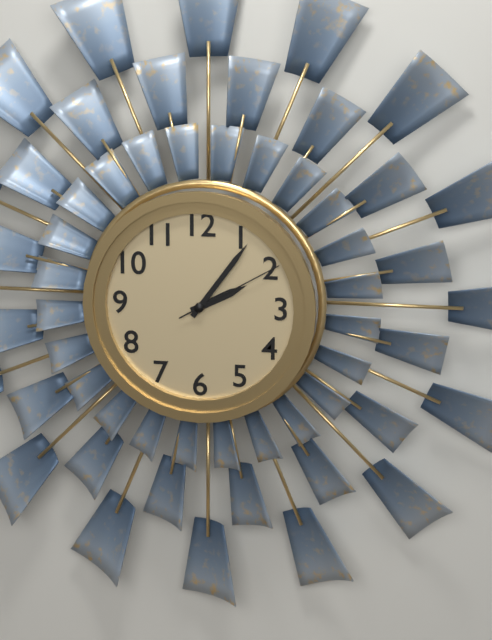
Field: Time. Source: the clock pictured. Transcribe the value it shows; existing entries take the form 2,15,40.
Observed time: 2,06,10
